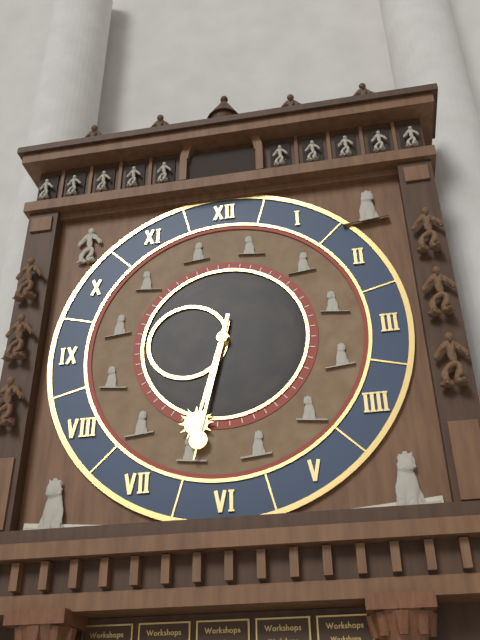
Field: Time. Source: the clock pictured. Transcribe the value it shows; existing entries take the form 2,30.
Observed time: 6,32
